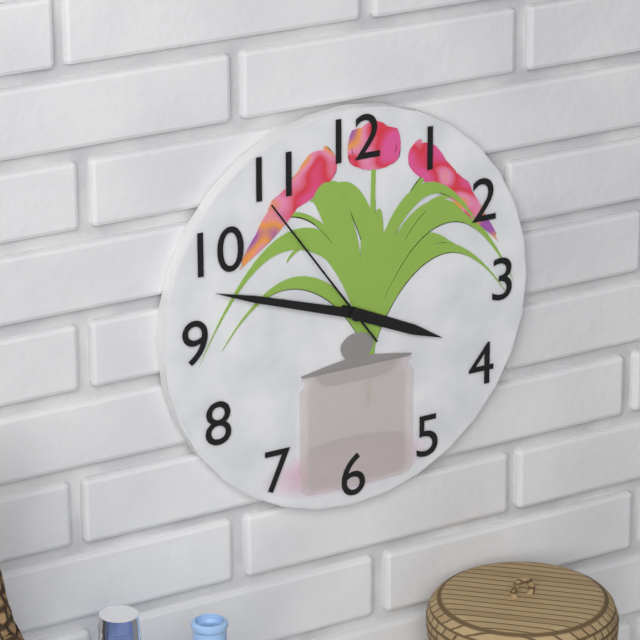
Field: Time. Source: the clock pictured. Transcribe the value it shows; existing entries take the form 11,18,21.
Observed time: 3,48,54
